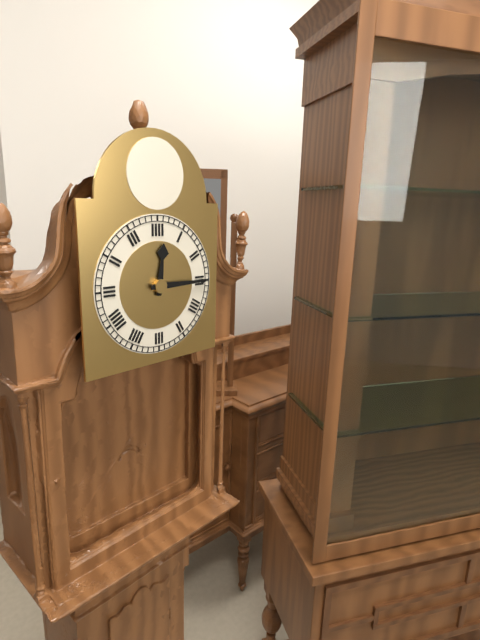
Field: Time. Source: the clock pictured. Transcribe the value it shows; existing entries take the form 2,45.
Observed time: 12,15
